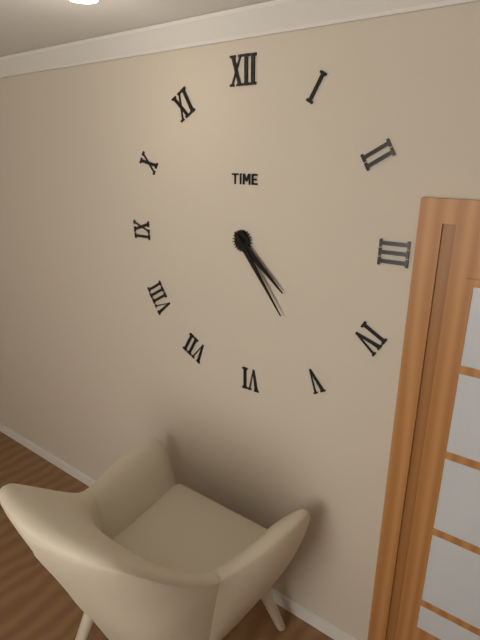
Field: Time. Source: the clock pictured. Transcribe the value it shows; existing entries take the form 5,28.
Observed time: 4,24
